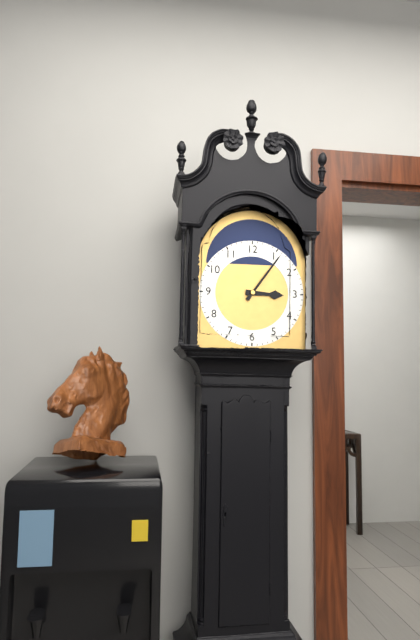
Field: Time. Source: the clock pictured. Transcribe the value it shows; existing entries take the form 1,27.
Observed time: 3,06
